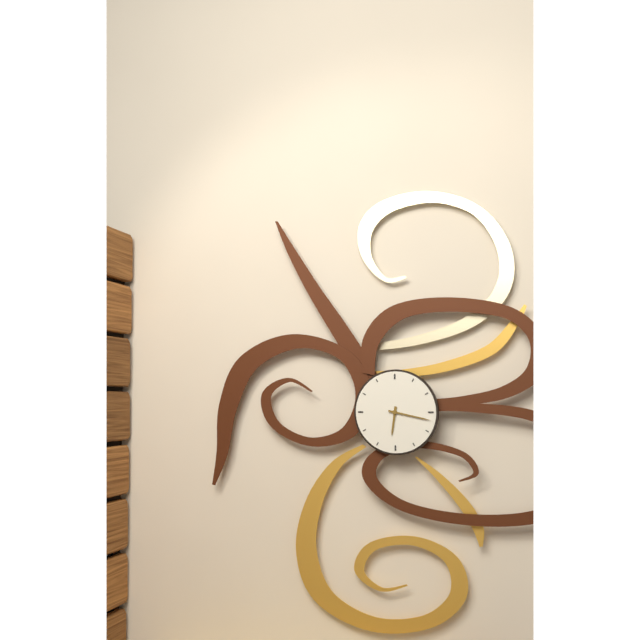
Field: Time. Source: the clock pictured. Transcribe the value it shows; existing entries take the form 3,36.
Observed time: 6,17
